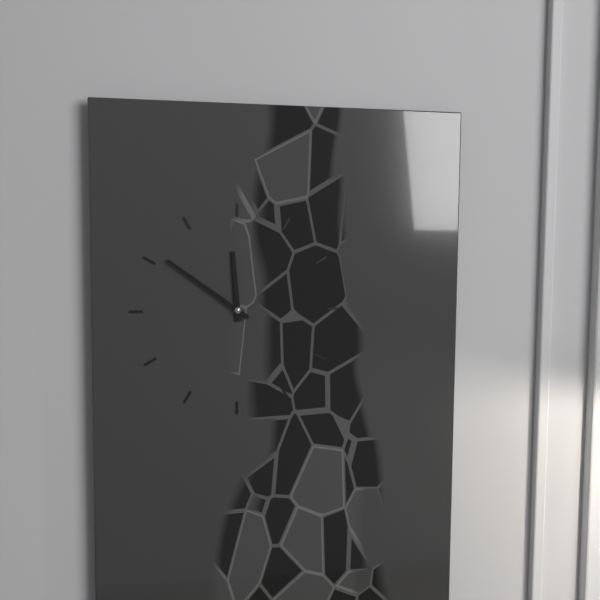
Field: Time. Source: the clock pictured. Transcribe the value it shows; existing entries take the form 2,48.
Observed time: 11,51
